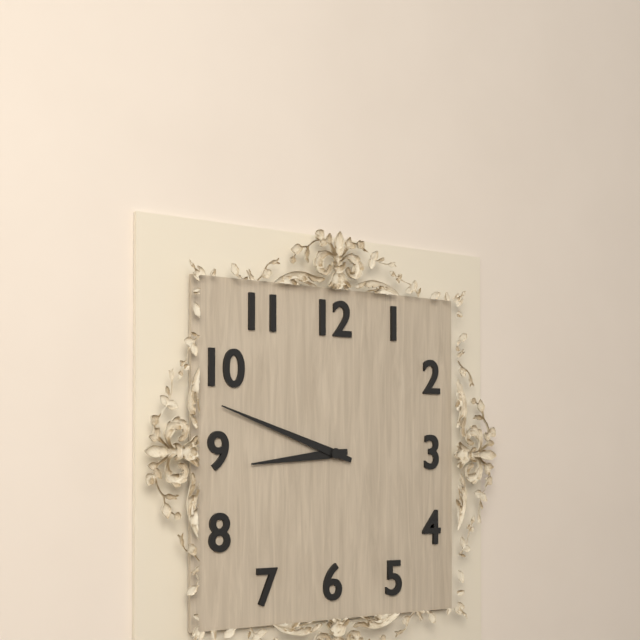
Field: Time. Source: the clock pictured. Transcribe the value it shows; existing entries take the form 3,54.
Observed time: 8,48
